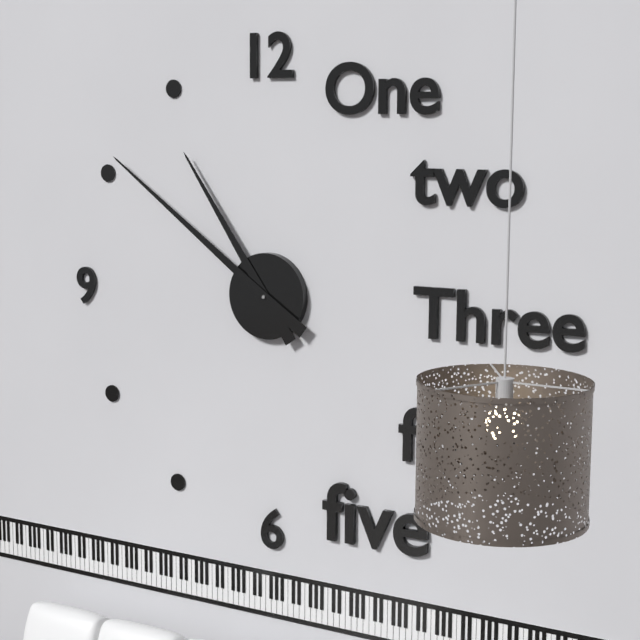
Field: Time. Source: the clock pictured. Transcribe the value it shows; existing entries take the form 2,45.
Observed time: 10,51
